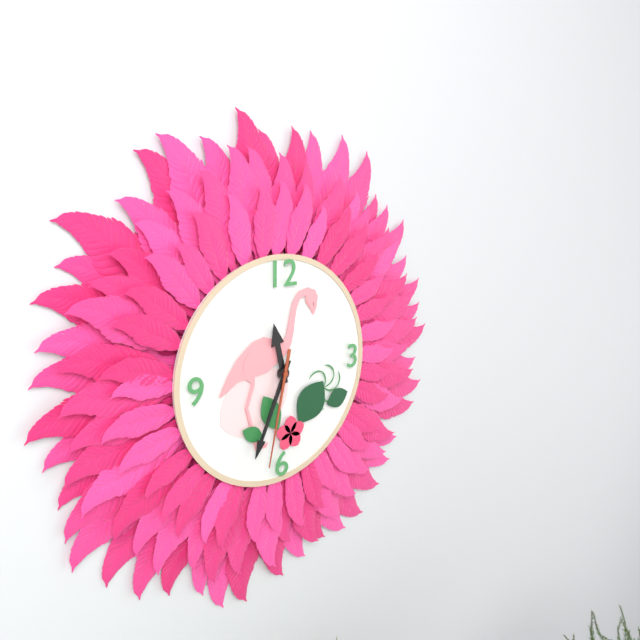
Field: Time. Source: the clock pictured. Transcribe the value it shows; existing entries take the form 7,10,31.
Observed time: 11,34,32
